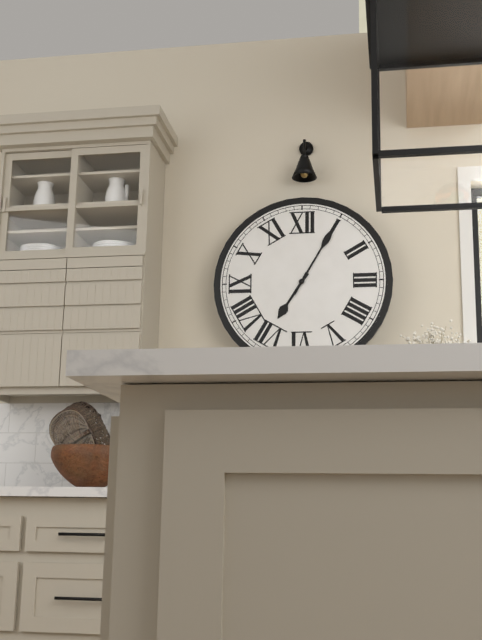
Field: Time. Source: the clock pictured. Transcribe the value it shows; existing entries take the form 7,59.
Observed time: 7,05
